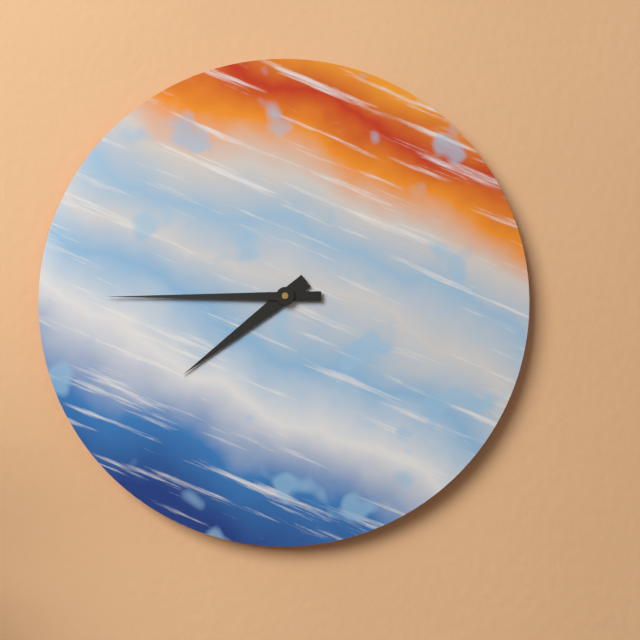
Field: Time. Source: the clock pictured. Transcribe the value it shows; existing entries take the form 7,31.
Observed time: 7,45
